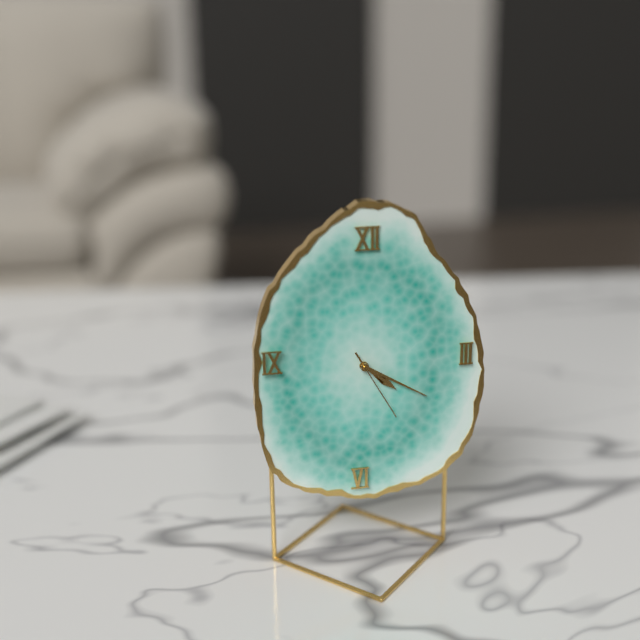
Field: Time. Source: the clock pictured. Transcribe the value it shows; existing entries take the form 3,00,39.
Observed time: 4,20,25
